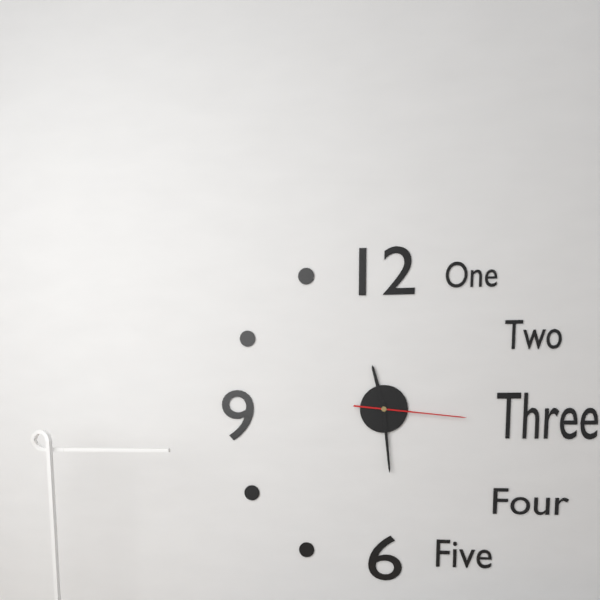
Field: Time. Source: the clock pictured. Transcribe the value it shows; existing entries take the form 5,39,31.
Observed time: 11,29,16
